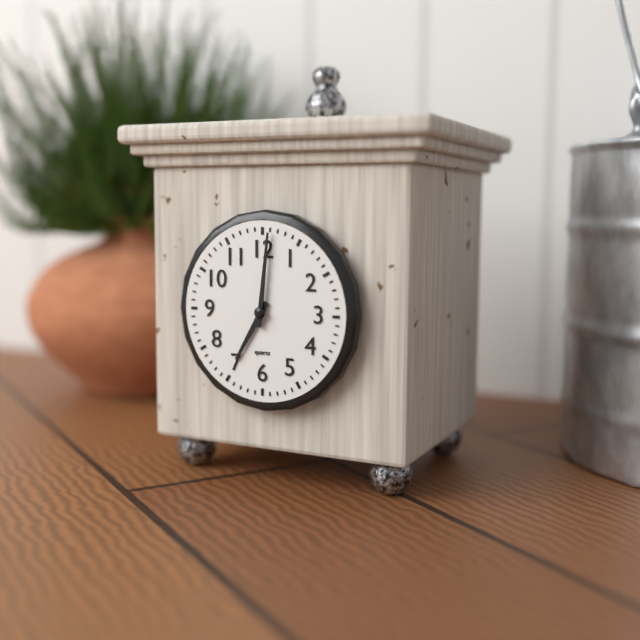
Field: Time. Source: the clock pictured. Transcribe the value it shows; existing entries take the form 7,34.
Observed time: 7,01
